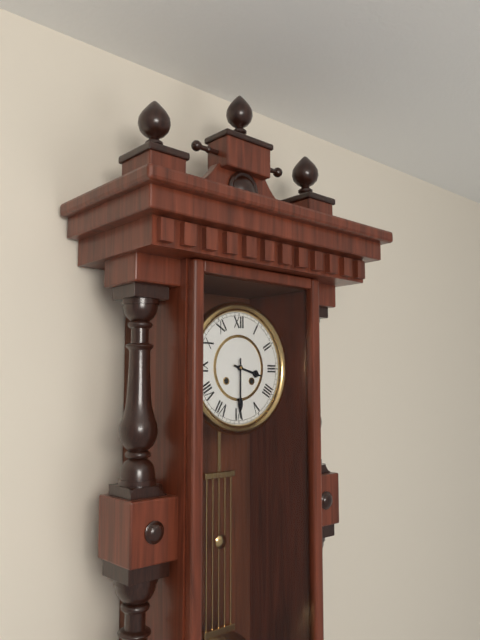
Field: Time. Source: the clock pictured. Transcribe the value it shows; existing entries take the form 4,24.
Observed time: 3,30
